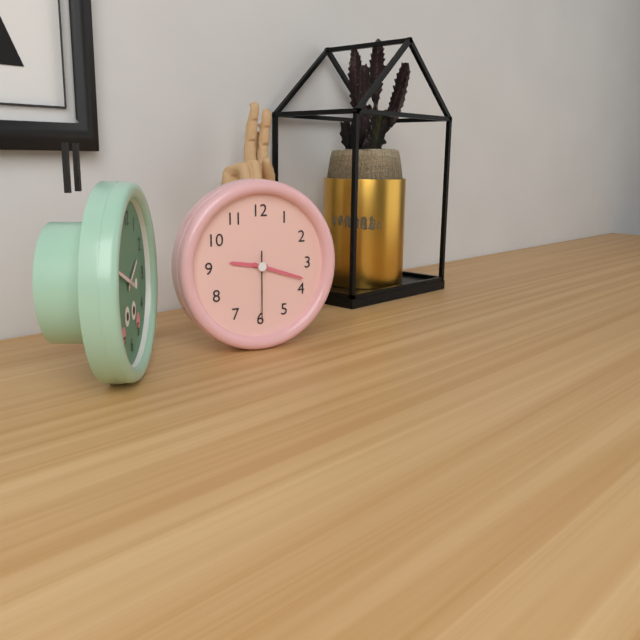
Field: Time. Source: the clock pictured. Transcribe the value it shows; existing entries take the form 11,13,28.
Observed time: 9,18,30
